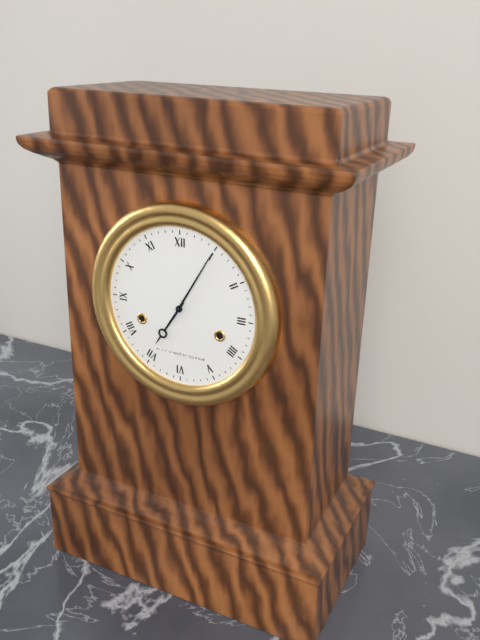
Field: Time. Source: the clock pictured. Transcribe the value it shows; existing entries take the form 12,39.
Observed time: 7,05
